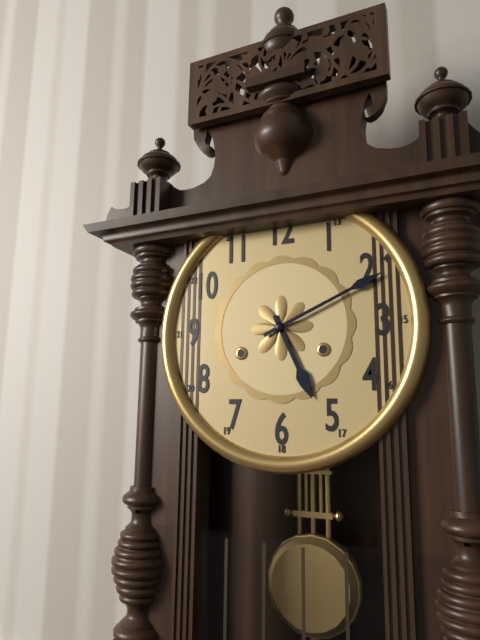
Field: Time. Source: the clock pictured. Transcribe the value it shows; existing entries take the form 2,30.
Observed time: 5,11
